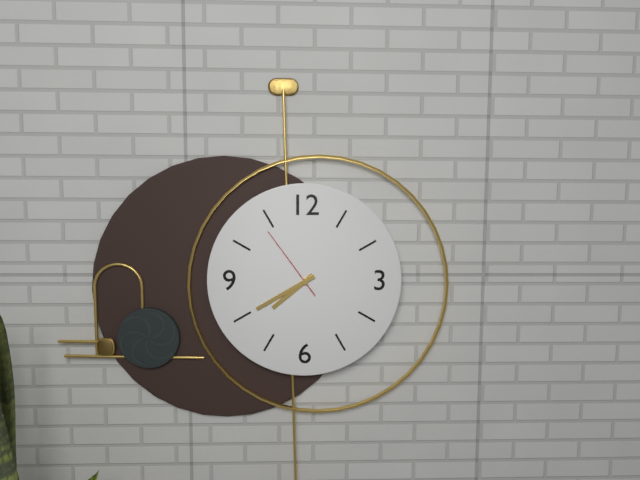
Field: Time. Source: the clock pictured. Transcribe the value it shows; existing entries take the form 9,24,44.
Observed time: 7,40,54
